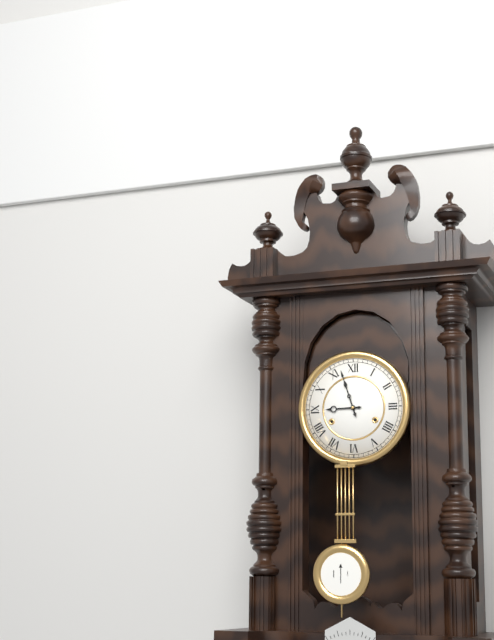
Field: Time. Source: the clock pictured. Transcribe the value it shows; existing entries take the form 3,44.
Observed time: 8,57
